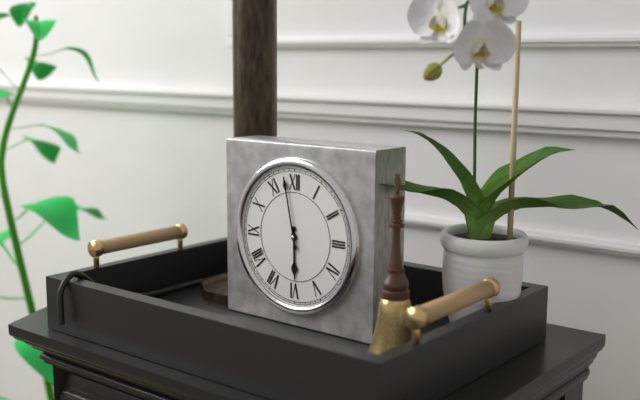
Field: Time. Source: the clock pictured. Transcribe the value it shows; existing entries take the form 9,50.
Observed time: 5,58
